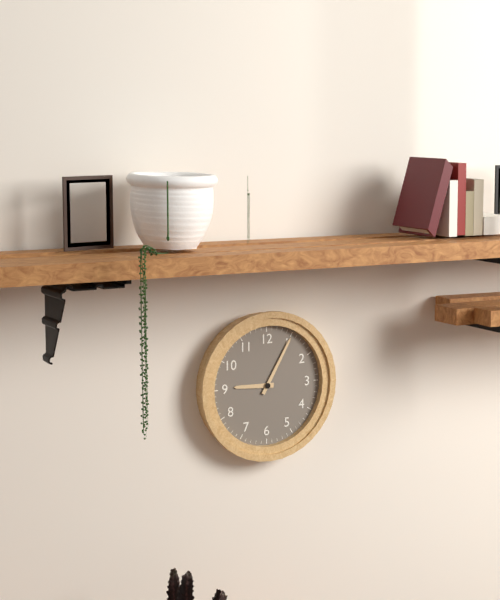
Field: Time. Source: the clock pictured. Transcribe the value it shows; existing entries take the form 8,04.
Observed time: 9,05
